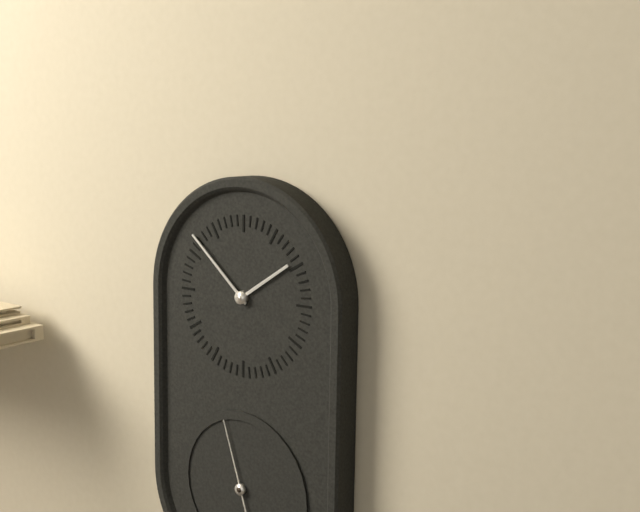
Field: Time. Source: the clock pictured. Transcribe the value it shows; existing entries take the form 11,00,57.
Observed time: 1,52,57
